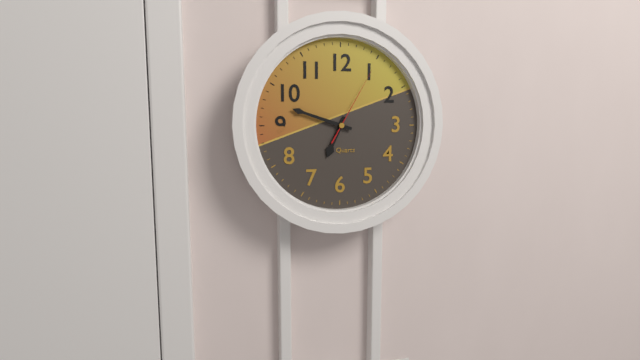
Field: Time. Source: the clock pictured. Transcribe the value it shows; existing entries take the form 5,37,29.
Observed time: 6,48,05
